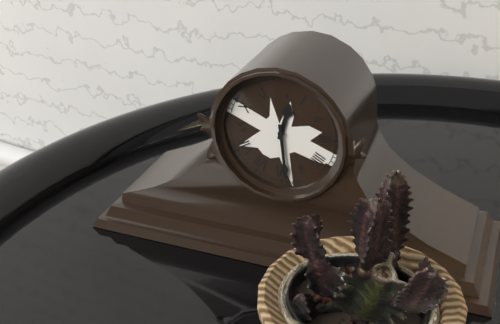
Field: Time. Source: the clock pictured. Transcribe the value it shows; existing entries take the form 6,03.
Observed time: 12,29
